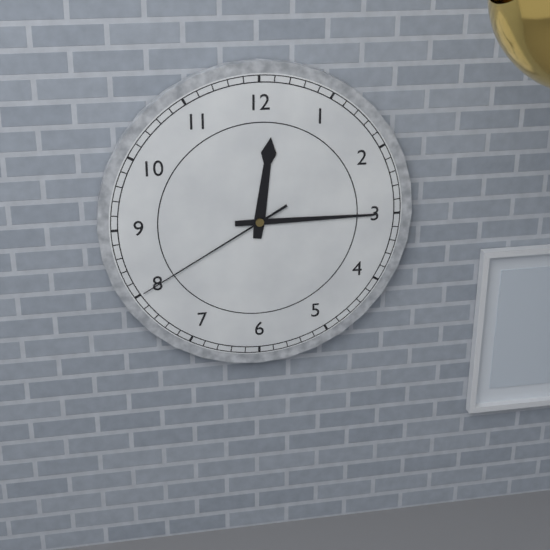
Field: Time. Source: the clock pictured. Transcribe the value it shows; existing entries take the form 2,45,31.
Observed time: 12,15,40
